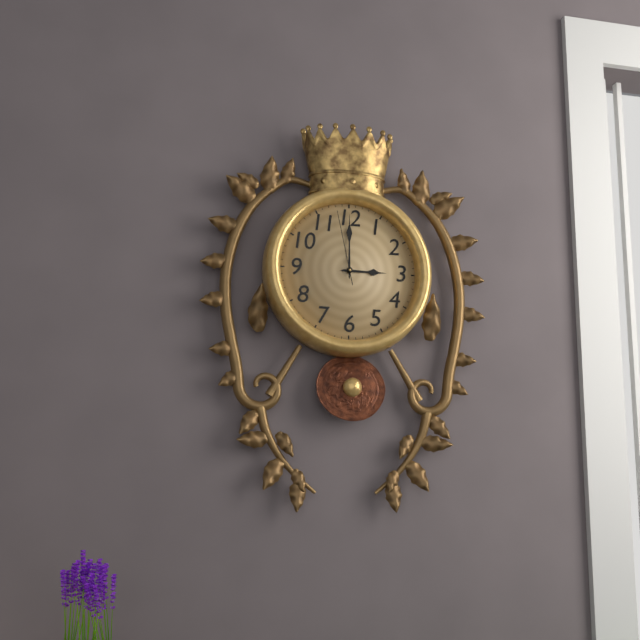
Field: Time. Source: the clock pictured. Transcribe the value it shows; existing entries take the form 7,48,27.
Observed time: 3,00,58
